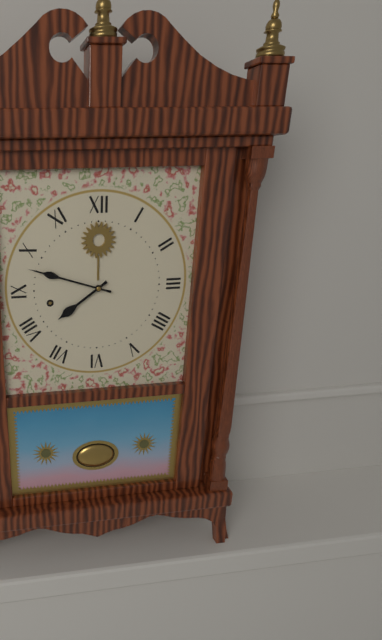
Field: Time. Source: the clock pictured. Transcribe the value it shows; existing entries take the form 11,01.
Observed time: 7,48
